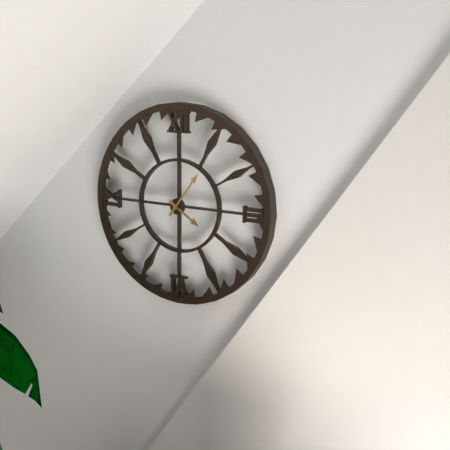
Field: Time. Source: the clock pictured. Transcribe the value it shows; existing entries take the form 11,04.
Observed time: 4,06
